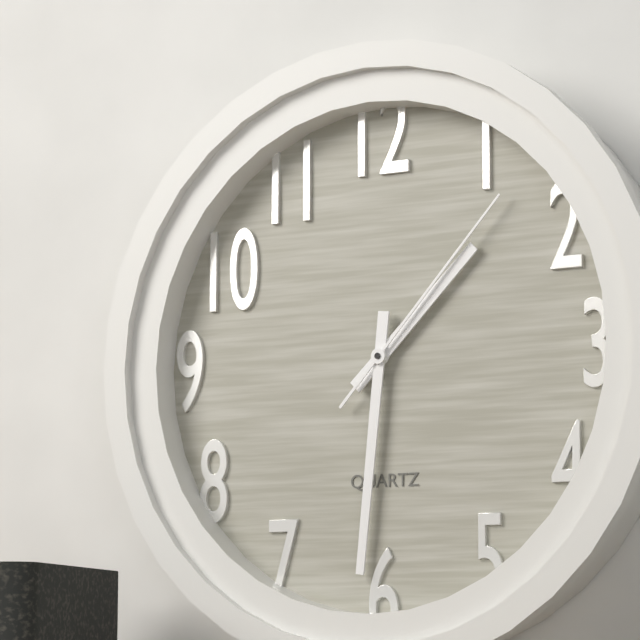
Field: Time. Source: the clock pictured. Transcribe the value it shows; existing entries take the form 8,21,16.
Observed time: 1,31,07
